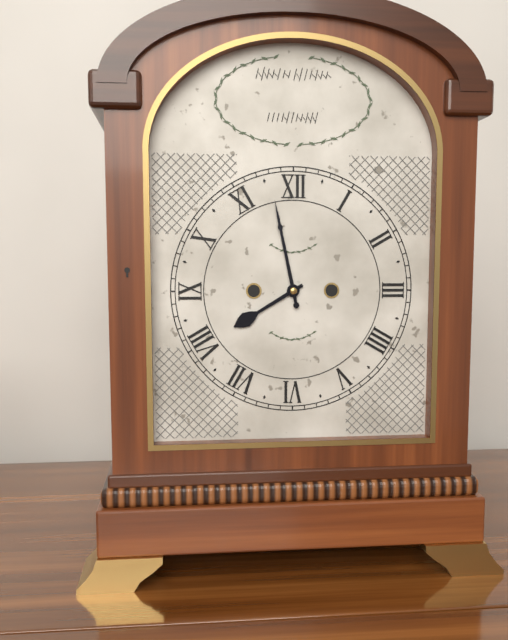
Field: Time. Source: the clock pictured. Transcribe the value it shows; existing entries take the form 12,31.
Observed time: 7,58
